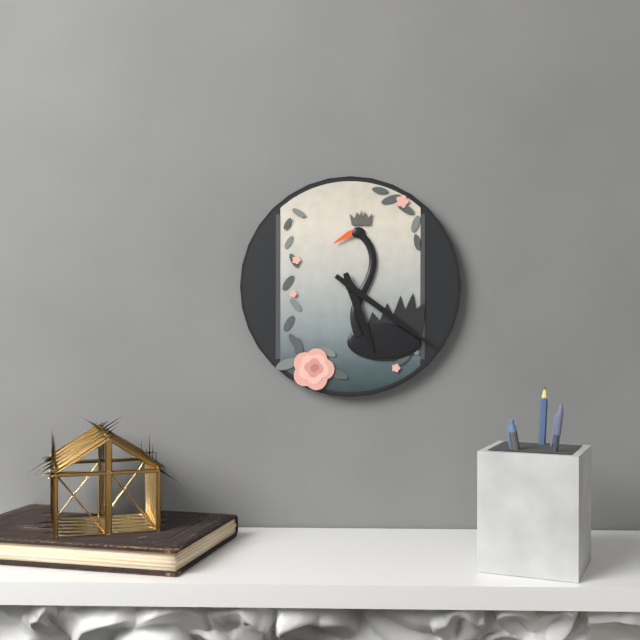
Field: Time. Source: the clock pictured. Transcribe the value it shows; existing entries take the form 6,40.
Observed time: 5,21
